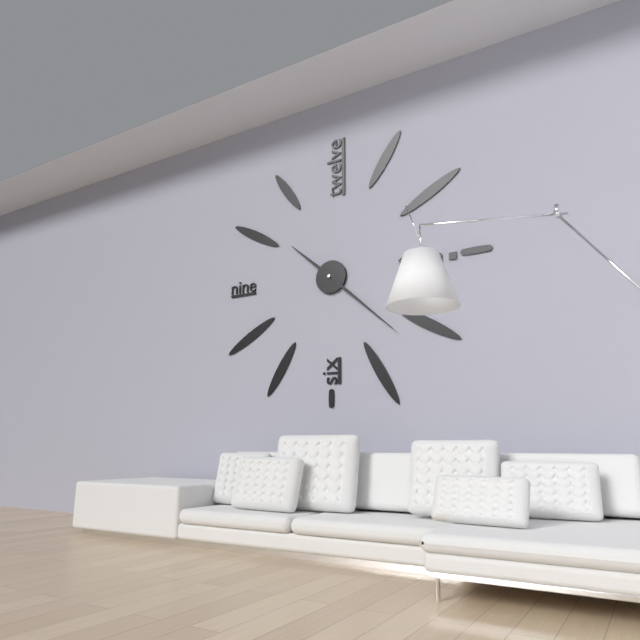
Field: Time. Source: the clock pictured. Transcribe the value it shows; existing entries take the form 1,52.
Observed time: 10,22
